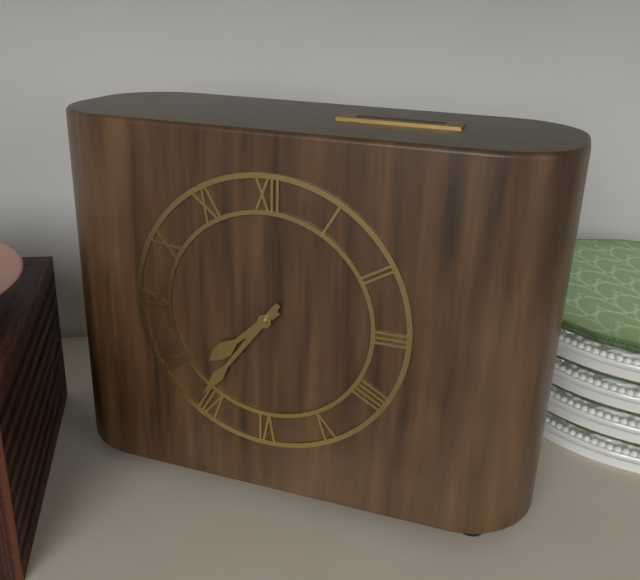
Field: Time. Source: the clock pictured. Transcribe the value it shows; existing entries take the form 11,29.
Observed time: 7,36
